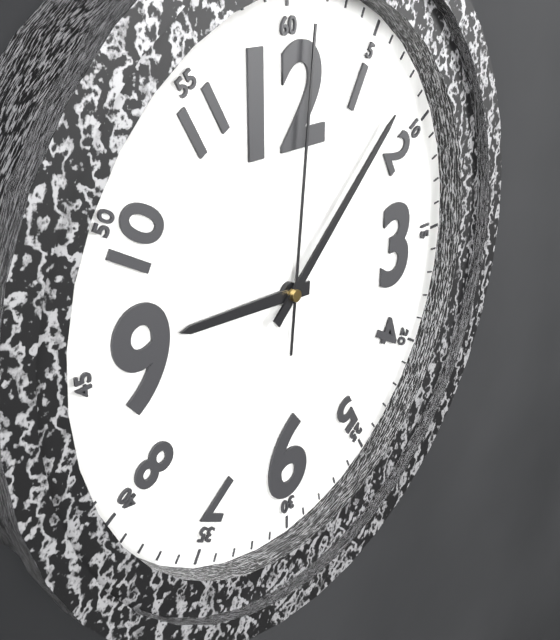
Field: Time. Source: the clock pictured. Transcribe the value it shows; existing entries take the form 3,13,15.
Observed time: 9,08,01
